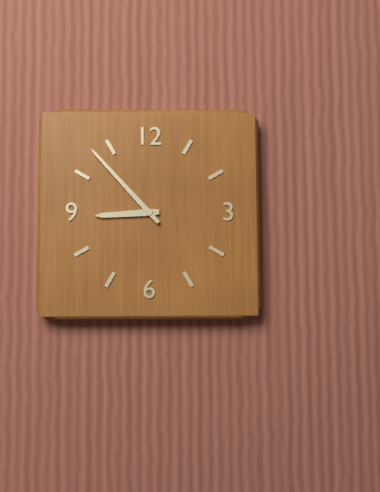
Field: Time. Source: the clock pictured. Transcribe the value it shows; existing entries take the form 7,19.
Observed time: 8,53
